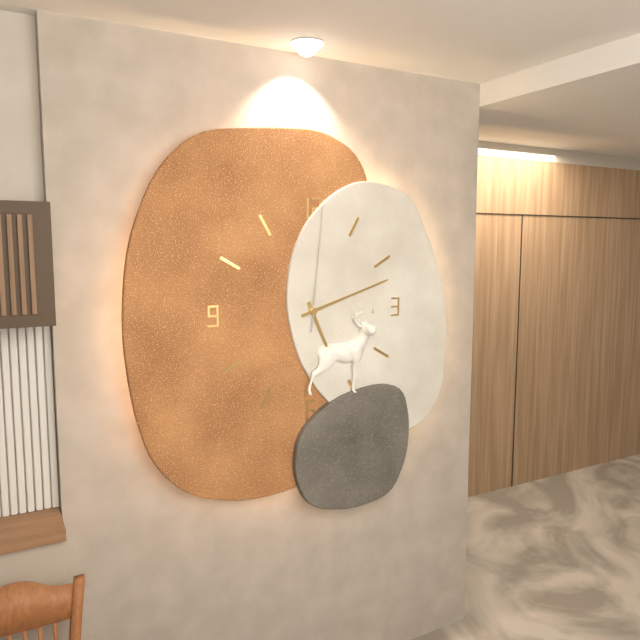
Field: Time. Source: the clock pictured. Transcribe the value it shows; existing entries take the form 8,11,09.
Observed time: 5,12,01
